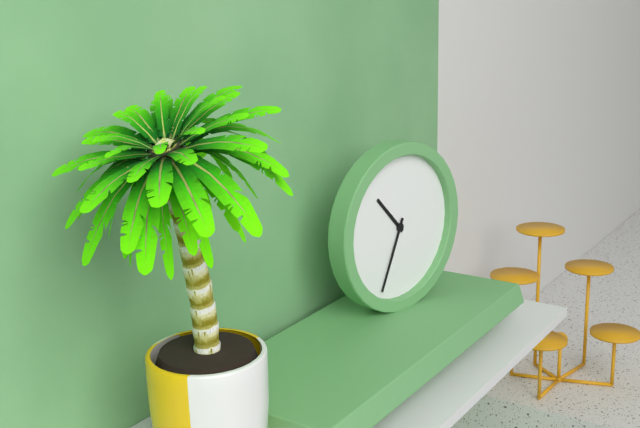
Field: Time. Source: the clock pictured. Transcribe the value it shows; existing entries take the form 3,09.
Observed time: 10,34
